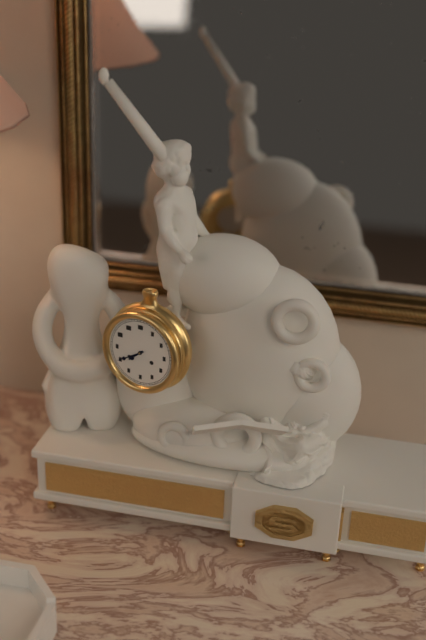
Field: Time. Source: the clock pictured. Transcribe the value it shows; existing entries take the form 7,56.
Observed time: 7,40
